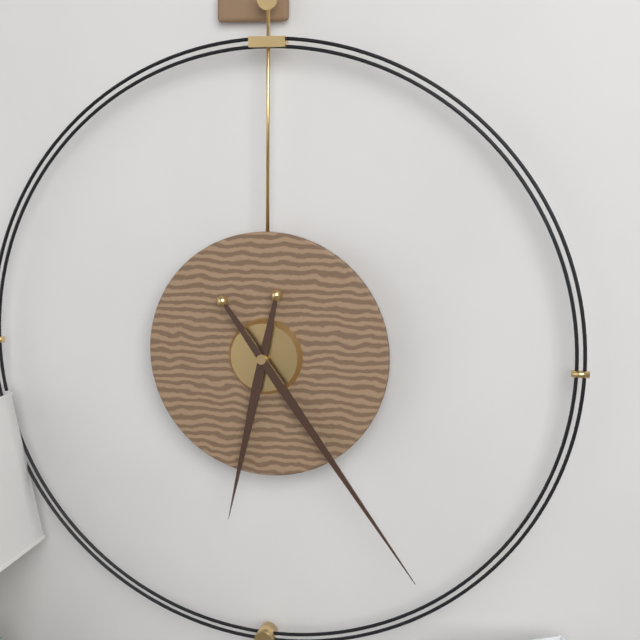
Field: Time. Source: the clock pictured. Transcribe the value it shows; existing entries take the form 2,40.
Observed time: 6,24
